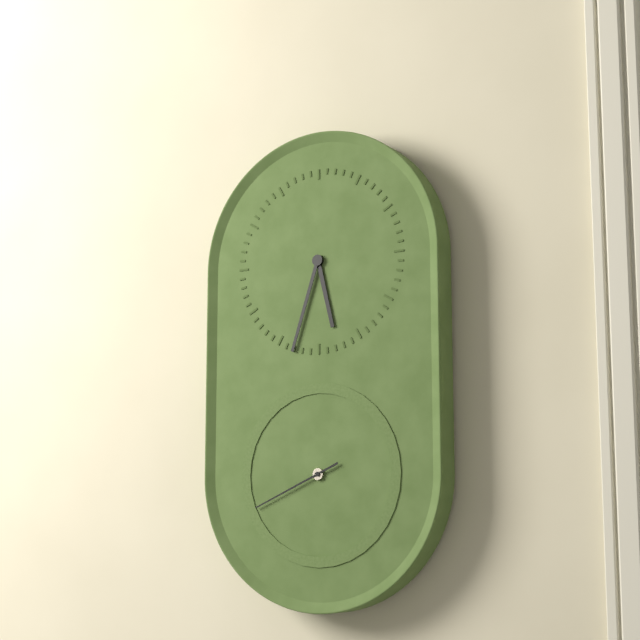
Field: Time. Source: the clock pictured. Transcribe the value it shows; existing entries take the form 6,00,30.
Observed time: 5,33,41
